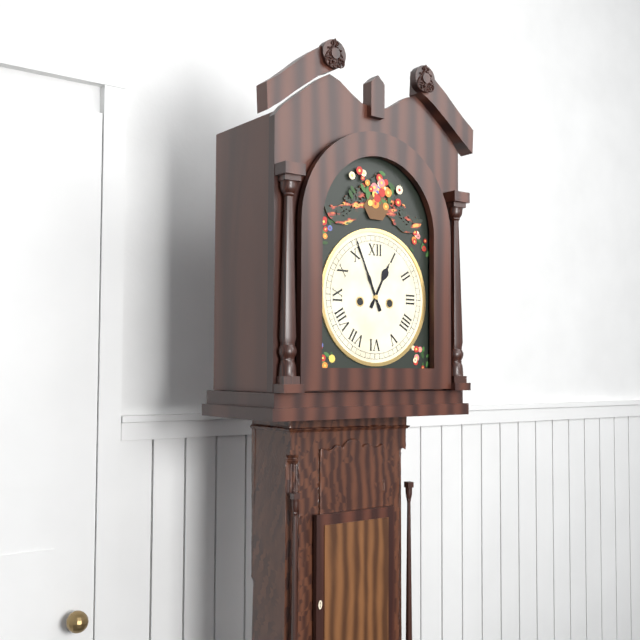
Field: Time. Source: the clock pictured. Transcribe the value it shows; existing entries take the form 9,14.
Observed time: 12,56
